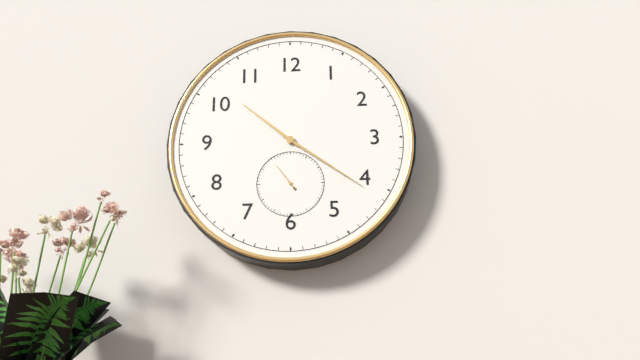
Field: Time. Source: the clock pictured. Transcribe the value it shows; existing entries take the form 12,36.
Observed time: 10,21
